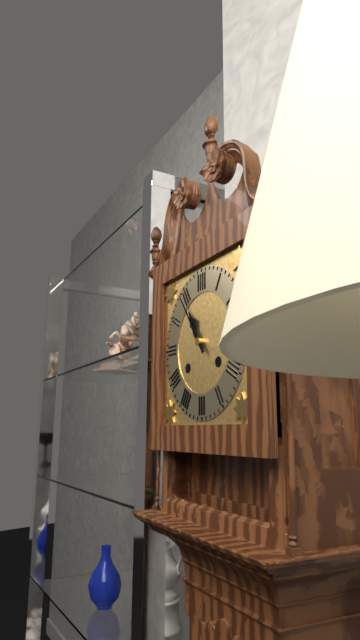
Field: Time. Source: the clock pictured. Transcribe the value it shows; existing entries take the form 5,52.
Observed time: 10,54
